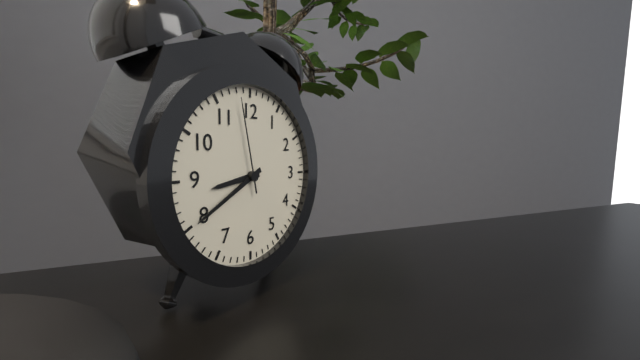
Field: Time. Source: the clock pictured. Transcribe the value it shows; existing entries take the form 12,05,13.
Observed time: 8,40,58
